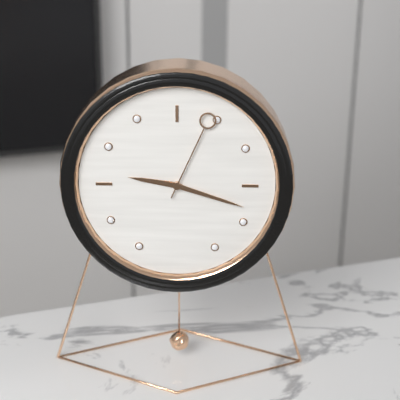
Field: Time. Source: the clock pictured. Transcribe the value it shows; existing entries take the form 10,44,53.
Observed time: 9,18,04
